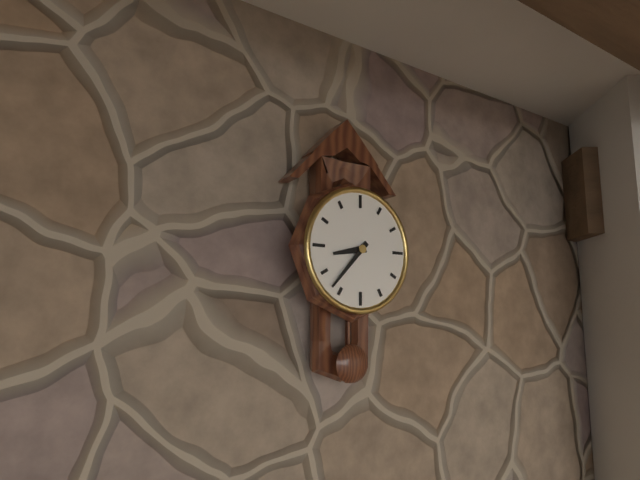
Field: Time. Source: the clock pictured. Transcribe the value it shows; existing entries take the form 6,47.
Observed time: 8,37
